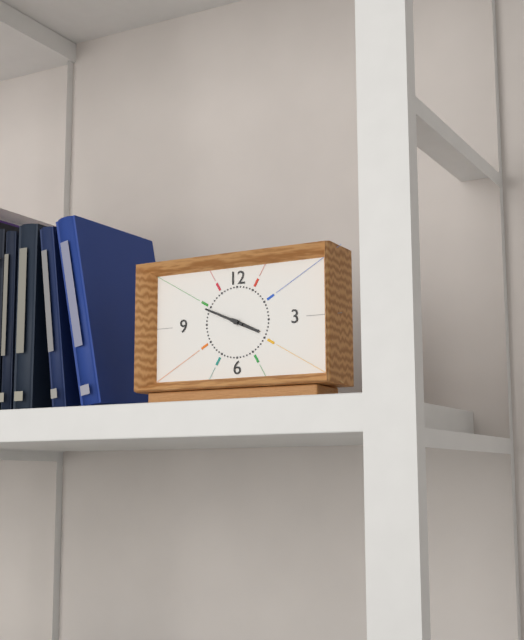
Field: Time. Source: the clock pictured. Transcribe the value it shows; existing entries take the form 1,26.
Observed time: 3,49
